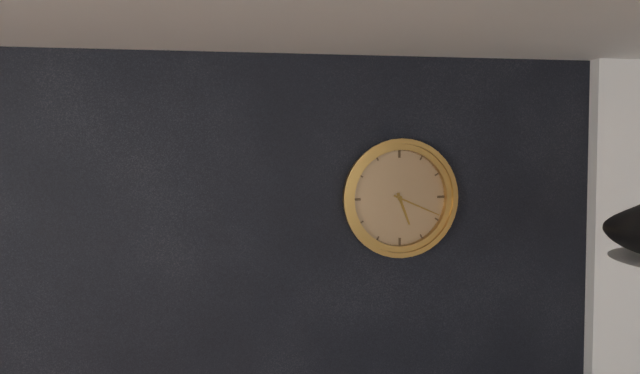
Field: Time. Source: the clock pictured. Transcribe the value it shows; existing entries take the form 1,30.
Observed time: 5,19
